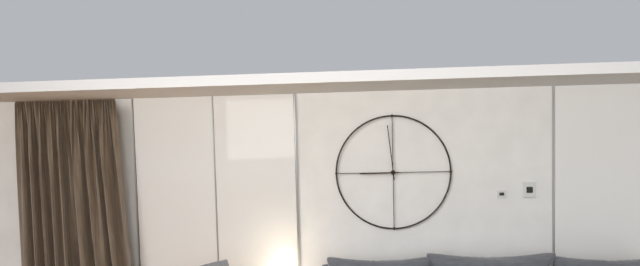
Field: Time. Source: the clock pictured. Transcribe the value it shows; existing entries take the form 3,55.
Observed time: 8,59
